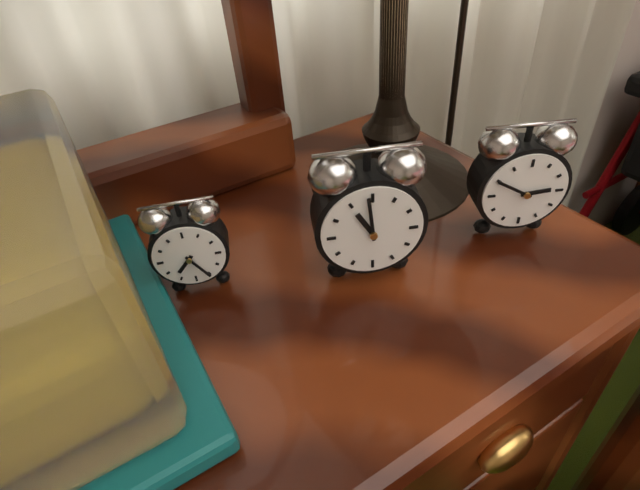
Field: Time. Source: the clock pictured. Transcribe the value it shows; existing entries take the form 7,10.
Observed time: 10,59
